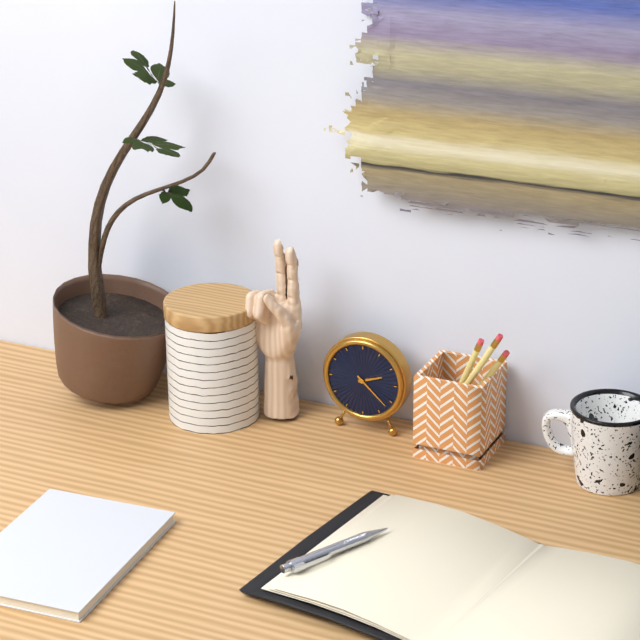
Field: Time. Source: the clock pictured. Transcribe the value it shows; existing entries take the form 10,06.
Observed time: 2,22
